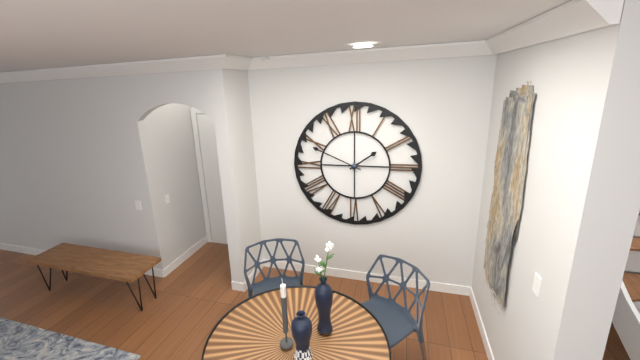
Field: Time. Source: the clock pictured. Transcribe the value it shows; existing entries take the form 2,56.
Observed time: 1,49
